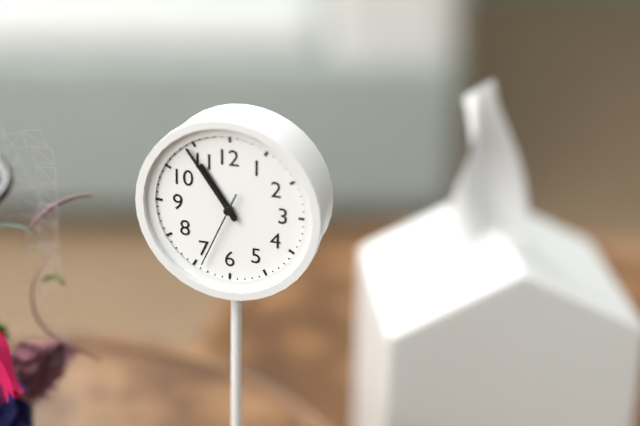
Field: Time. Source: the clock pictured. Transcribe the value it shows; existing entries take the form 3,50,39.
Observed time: 10,54,34
